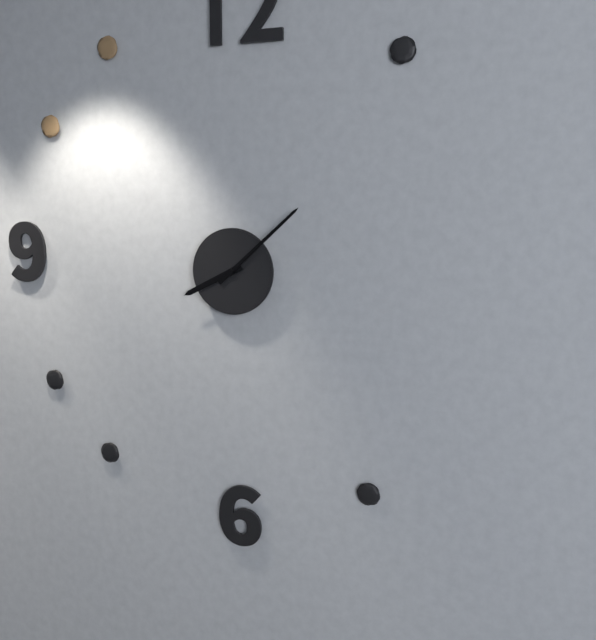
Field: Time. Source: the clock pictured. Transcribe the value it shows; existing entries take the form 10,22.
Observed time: 8,08
